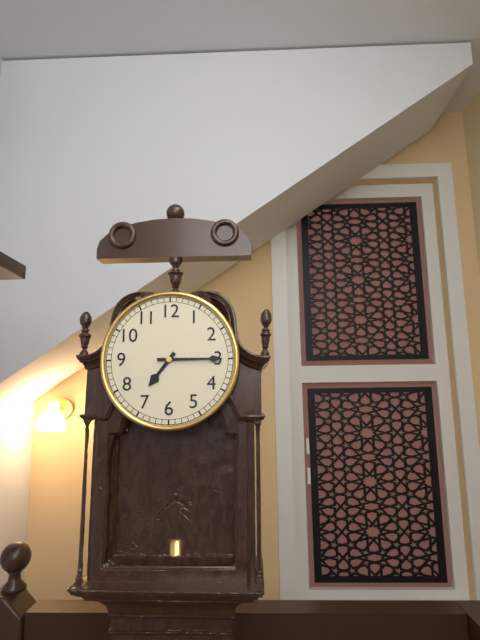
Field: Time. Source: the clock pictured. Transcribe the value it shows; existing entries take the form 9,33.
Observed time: 7,15
